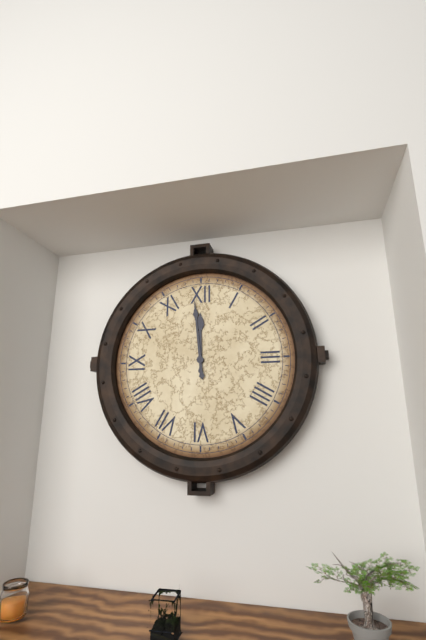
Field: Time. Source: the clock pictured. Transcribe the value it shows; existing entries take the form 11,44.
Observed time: 11,59
